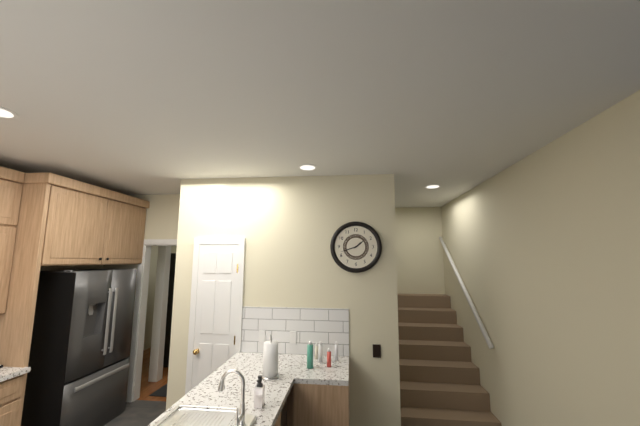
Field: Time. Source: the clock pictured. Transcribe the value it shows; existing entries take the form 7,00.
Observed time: 1,42
